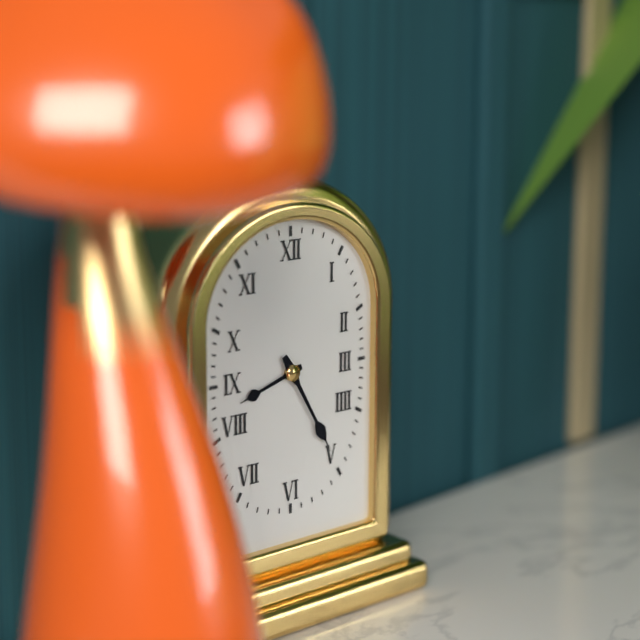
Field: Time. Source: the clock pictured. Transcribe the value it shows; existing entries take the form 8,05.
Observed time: 8,25
